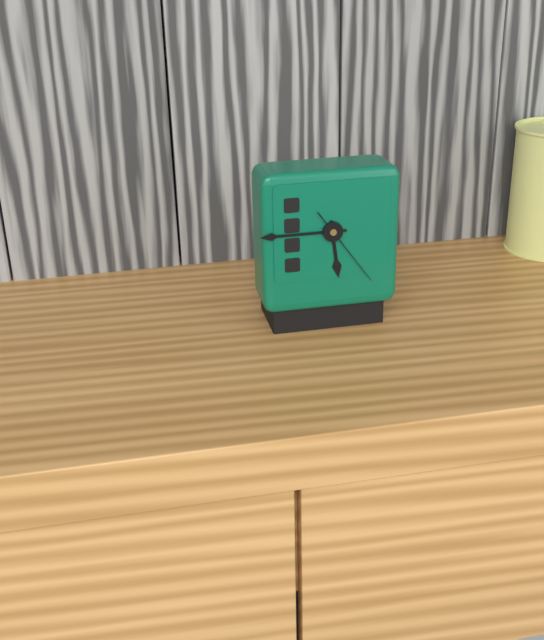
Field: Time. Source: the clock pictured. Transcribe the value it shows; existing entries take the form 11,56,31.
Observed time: 5,45,24
